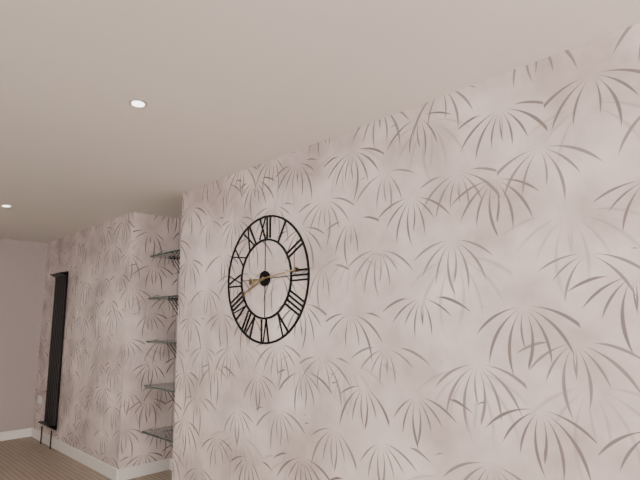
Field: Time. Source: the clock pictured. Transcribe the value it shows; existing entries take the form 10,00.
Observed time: 8,14
